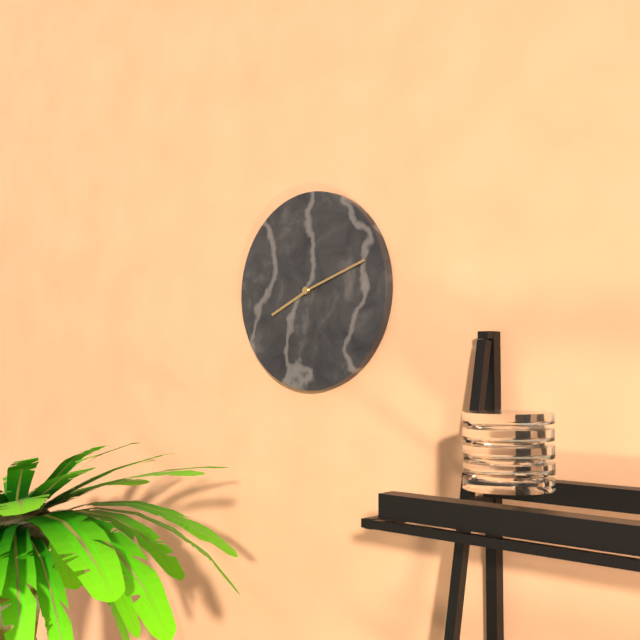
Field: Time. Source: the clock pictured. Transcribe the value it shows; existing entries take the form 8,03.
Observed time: 8,12
